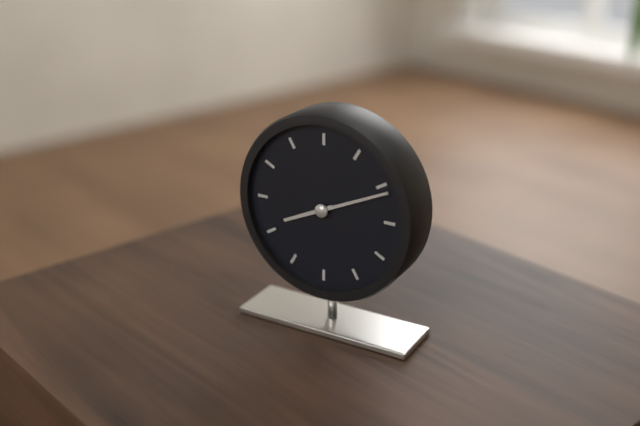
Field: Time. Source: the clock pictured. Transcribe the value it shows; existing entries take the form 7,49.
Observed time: 8,11
